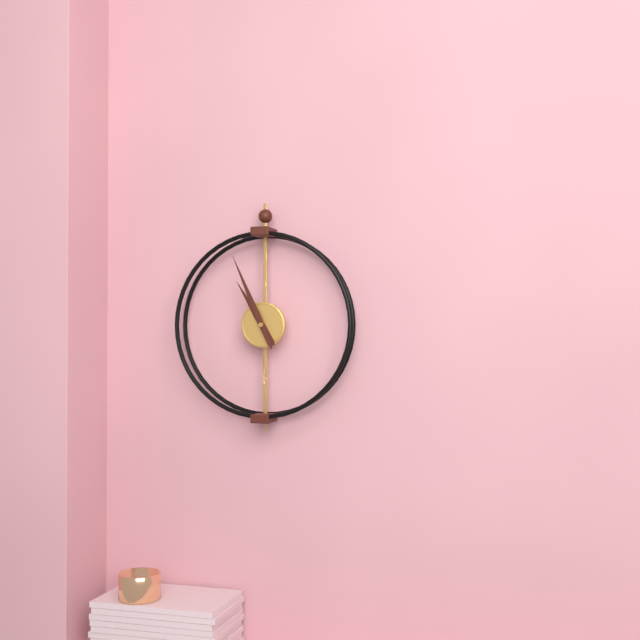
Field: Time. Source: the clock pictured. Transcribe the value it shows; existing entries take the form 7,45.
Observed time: 10,56
